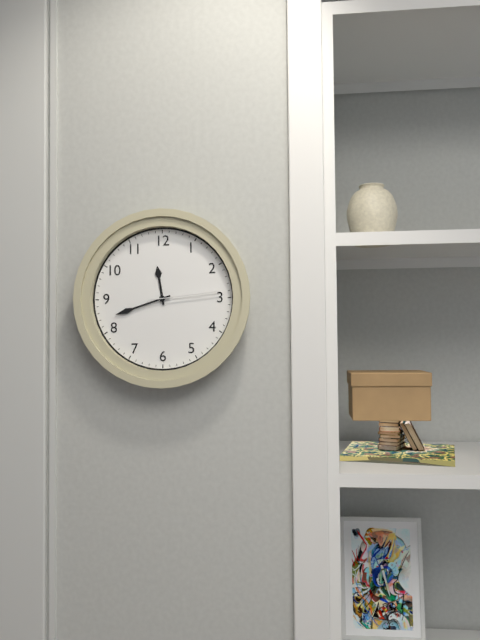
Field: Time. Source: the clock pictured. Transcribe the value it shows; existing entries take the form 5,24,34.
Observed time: 11,42,14
